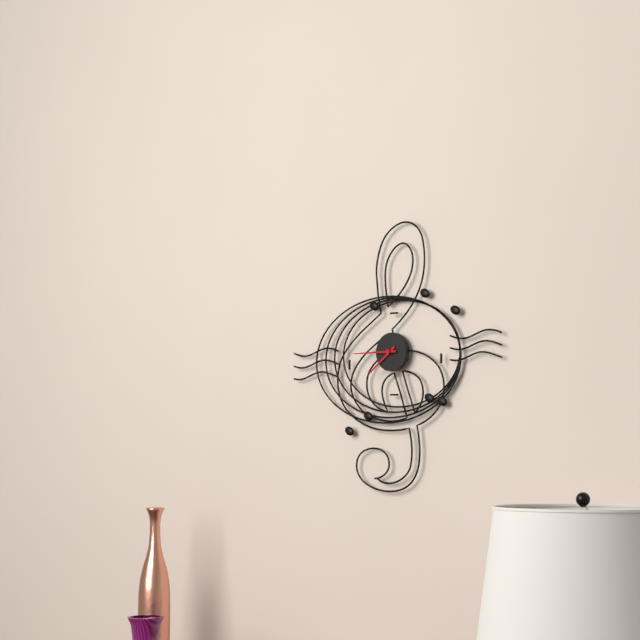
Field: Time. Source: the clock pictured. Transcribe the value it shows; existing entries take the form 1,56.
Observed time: 7,45
